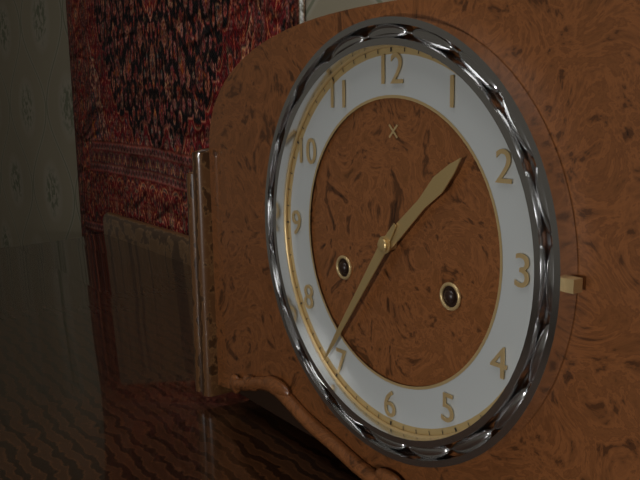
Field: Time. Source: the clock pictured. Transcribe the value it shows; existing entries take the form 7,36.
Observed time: 1,36
